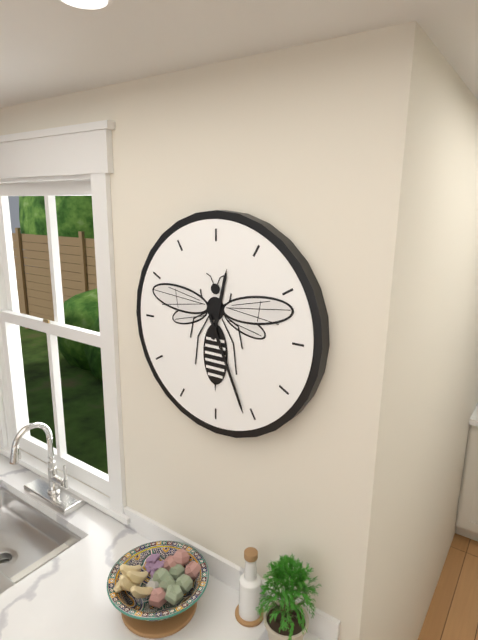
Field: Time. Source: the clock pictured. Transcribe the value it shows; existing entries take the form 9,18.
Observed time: 12,26
